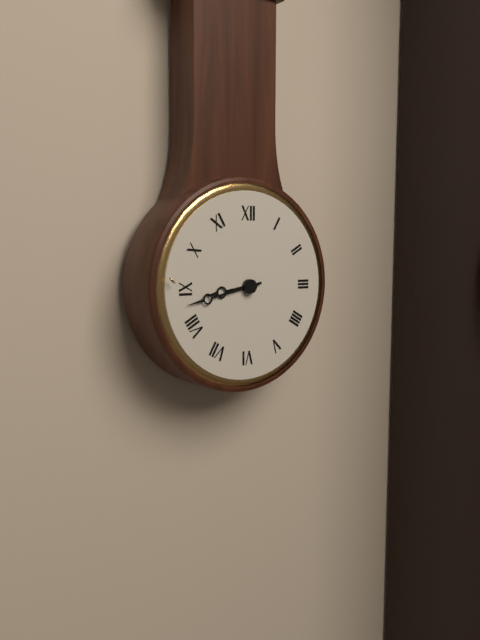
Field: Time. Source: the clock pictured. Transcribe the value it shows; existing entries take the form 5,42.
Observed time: 8,43
